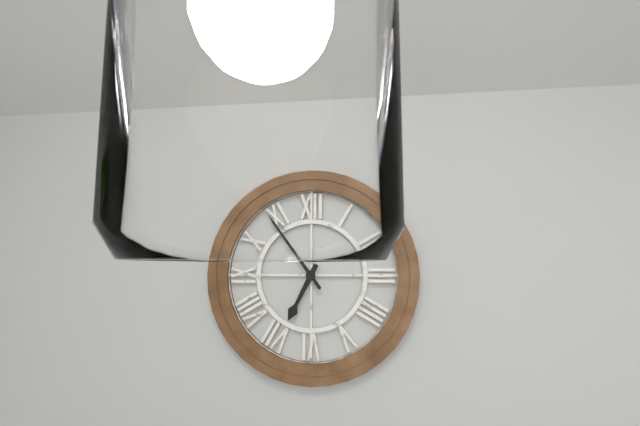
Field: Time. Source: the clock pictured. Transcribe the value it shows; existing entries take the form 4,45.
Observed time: 6,54
